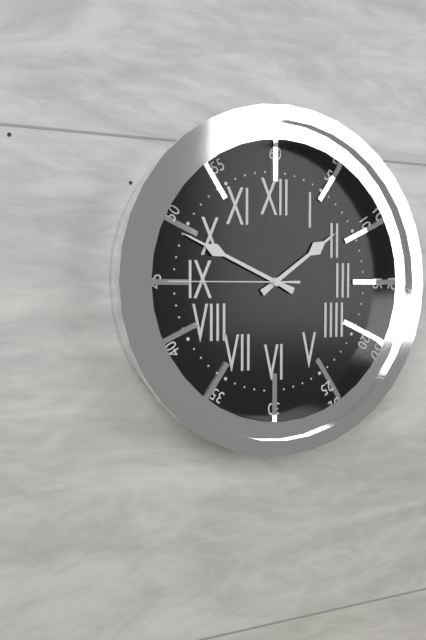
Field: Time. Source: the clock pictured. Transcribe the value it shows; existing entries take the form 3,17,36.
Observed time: 1,49,45
